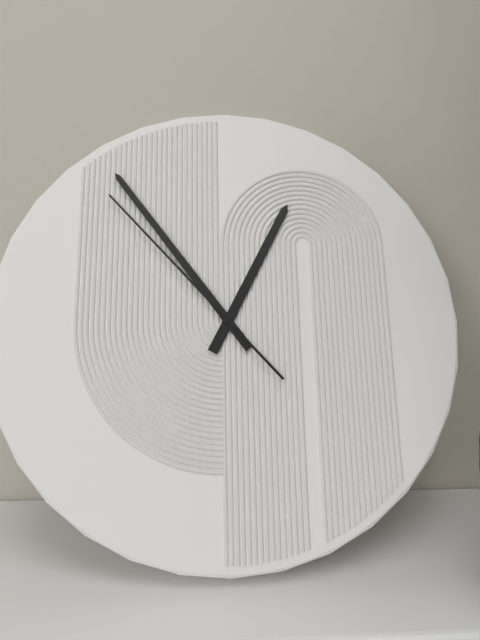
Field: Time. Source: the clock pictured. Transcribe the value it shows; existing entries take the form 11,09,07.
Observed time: 12,54,53
